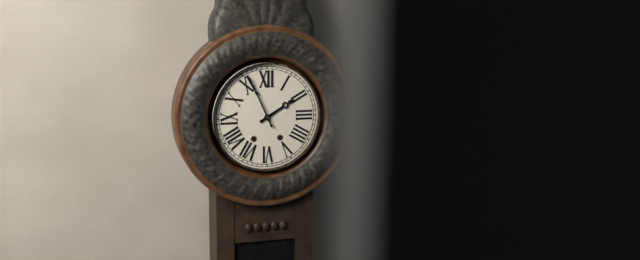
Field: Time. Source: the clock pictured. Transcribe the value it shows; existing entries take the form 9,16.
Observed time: 1,56
